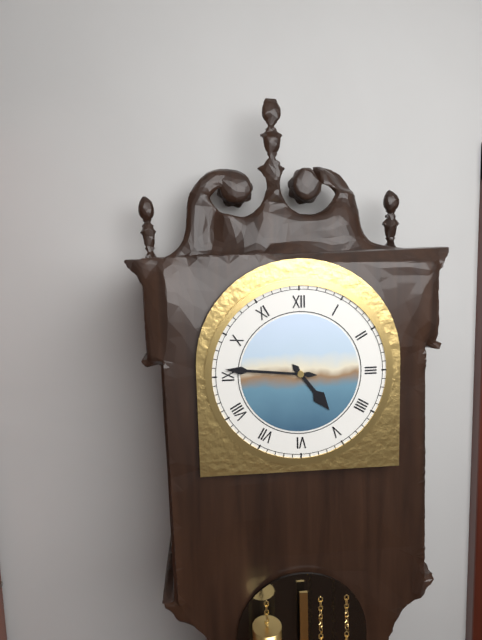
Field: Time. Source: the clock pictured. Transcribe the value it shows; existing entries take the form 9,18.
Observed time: 4,46
